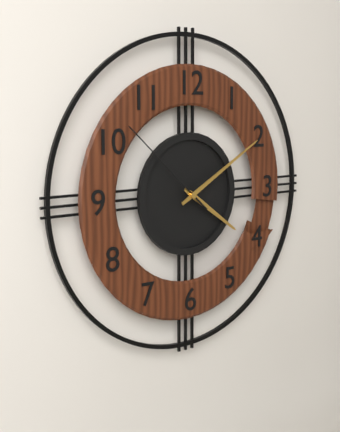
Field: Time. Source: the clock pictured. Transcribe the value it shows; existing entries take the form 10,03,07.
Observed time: 4,10,52
